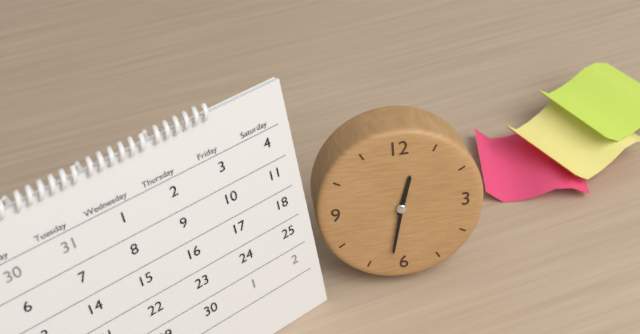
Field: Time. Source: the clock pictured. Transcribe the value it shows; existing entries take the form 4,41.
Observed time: 12,32
